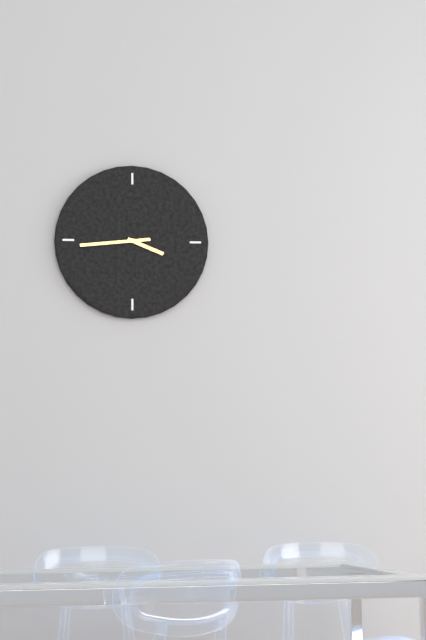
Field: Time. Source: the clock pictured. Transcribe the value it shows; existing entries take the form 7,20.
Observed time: 3,44
